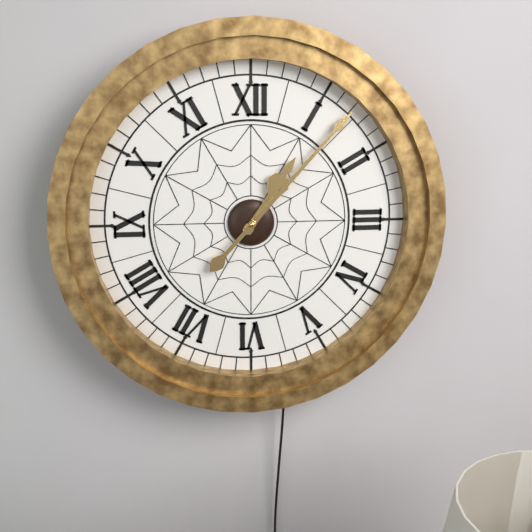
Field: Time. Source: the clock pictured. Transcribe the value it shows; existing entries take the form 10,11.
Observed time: 1,07
